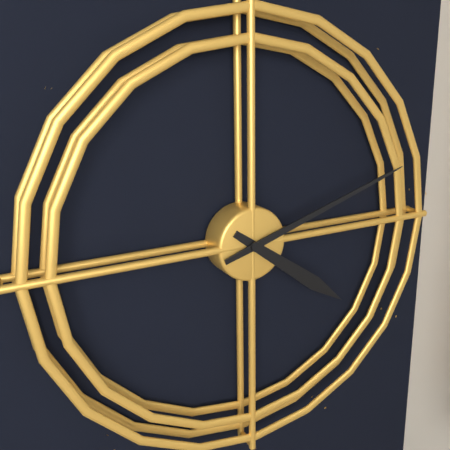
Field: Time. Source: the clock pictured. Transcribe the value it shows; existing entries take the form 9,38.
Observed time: 4,12
